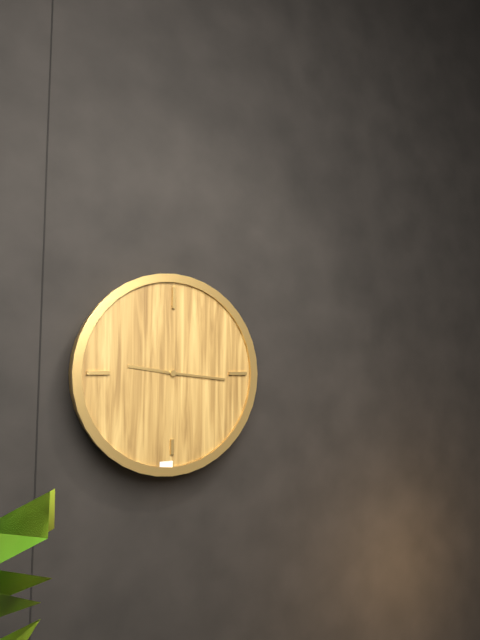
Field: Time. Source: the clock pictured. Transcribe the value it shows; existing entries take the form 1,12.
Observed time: 9,16
